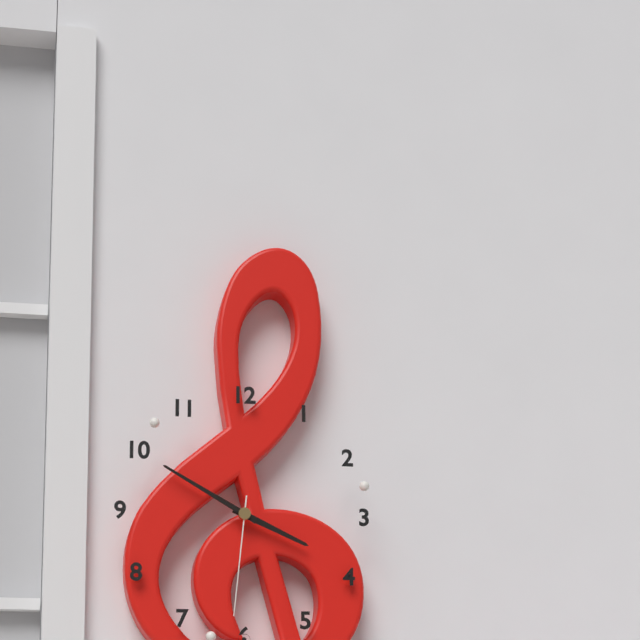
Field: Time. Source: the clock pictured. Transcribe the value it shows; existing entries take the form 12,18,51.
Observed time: 3,50,31
